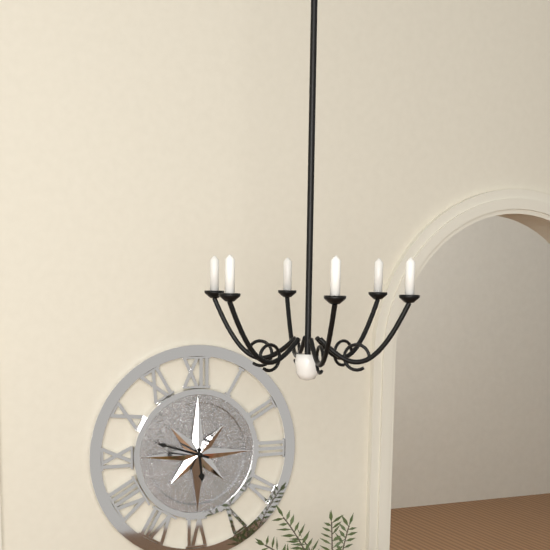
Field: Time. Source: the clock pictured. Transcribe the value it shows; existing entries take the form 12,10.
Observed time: 5,48
